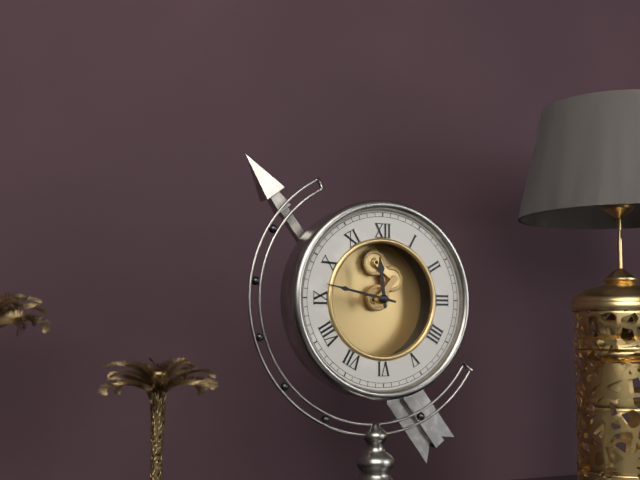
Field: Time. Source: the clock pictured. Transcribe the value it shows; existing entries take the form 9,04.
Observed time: 11,47
